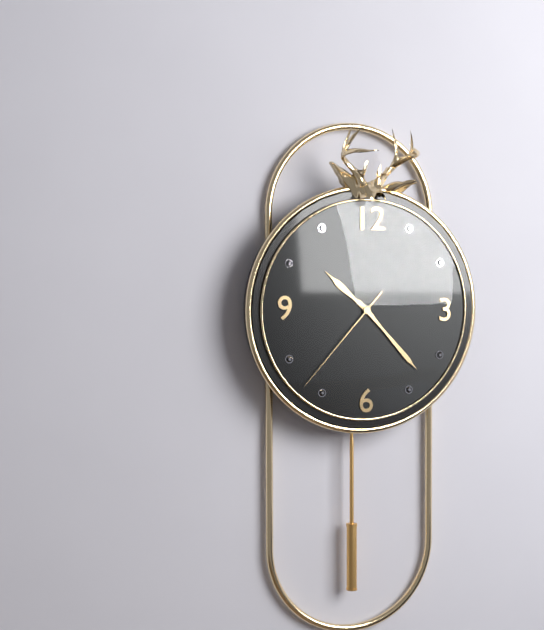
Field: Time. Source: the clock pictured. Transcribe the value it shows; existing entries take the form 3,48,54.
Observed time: 10,23,37
